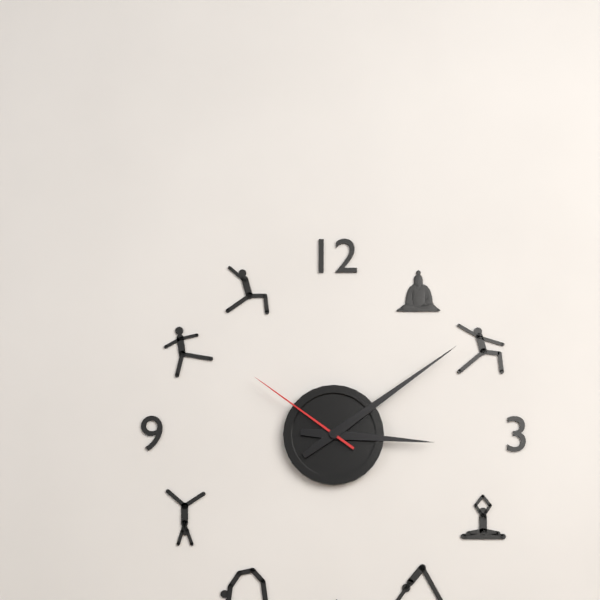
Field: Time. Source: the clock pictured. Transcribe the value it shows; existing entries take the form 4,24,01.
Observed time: 3,09,51
